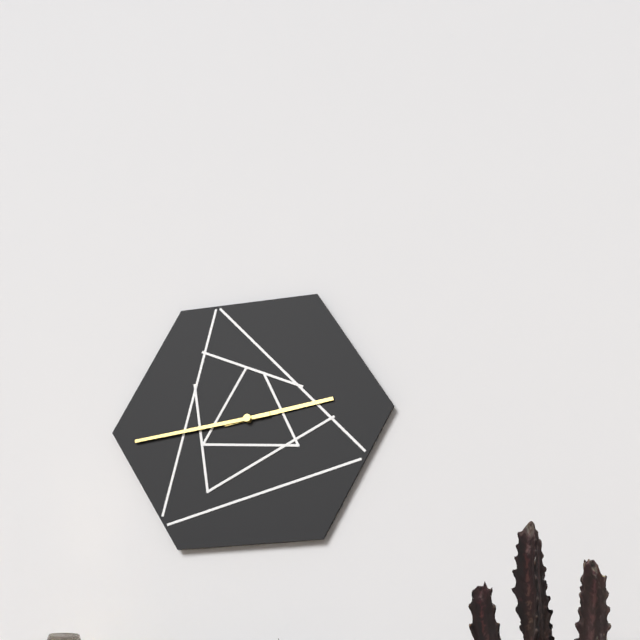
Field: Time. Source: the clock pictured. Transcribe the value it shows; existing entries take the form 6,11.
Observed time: 2,44
